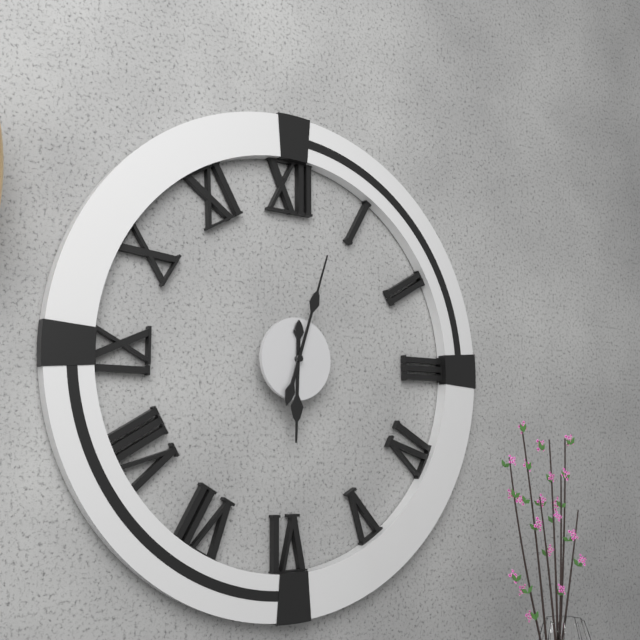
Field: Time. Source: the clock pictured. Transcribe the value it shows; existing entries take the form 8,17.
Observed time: 6,03
